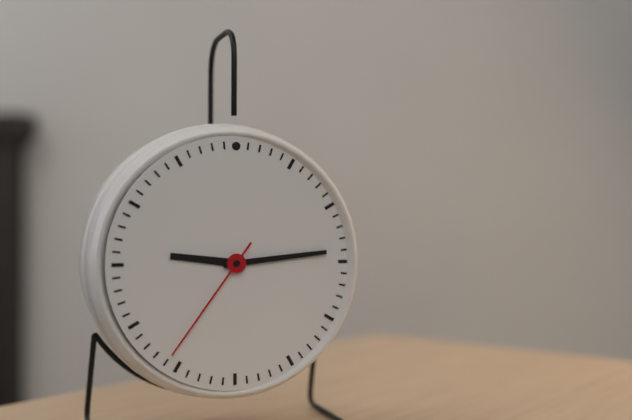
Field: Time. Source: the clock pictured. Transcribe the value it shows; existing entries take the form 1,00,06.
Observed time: 9,14,36
